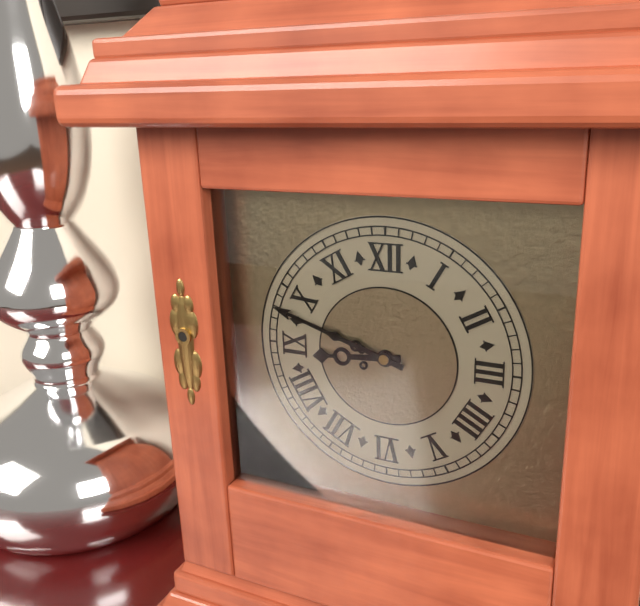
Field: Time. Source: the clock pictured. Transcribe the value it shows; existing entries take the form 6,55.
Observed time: 8,48
